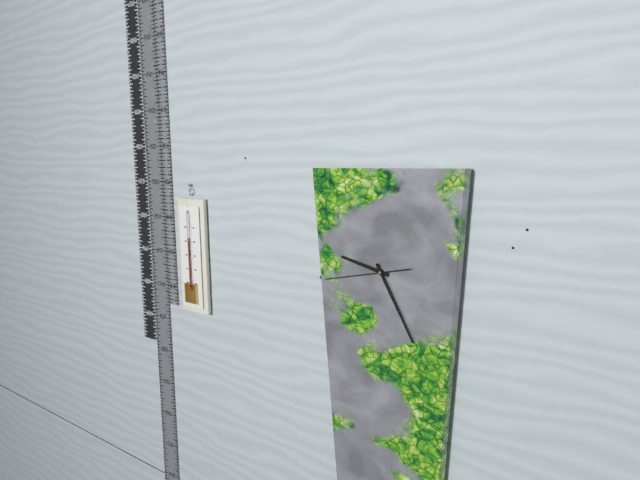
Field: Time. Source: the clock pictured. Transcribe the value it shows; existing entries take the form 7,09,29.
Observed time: 9,25,43
